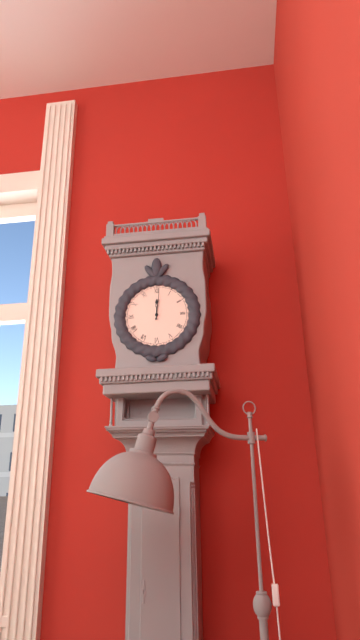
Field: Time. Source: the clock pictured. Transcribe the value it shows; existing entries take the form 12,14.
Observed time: 12,01
